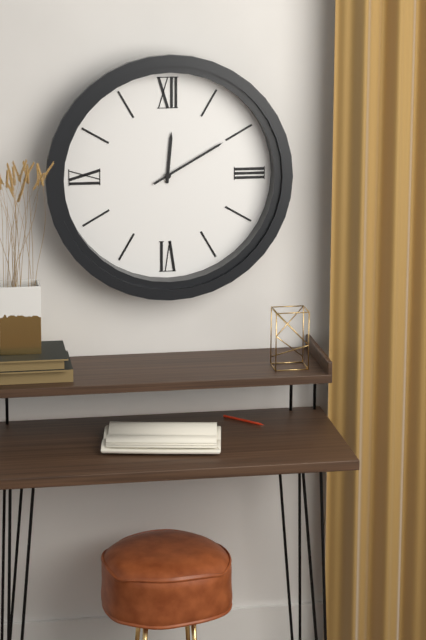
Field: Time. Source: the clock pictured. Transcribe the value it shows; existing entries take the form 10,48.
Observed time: 12,10
